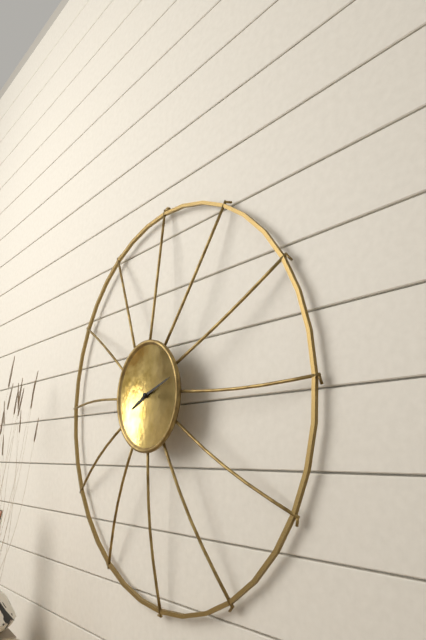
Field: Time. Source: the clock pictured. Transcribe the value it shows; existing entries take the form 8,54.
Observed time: 8,12
